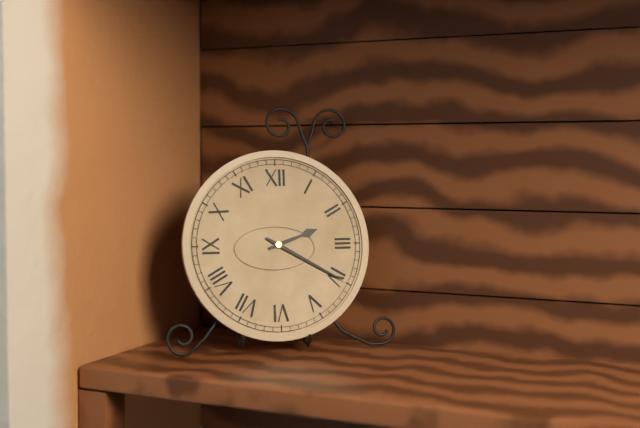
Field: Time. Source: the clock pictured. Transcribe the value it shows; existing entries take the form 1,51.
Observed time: 2,20
